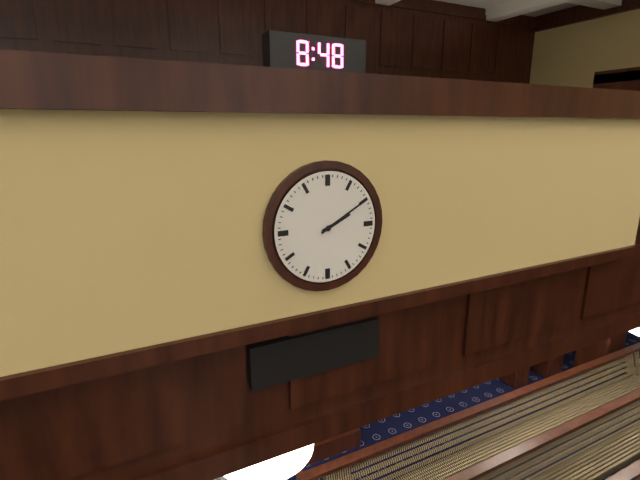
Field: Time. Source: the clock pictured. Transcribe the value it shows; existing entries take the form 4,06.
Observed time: 2,10
